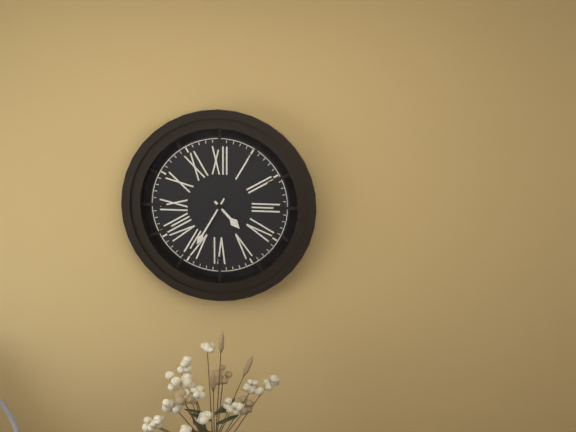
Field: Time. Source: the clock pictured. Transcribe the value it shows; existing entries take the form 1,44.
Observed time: 4,35
